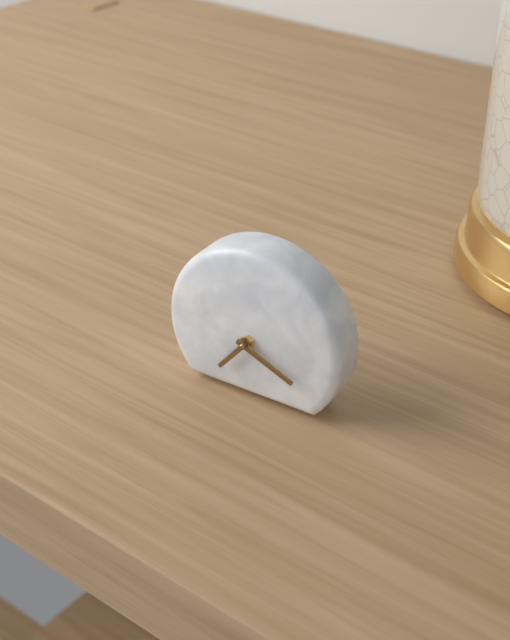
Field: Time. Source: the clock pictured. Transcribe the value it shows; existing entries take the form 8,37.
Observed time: 7,19
